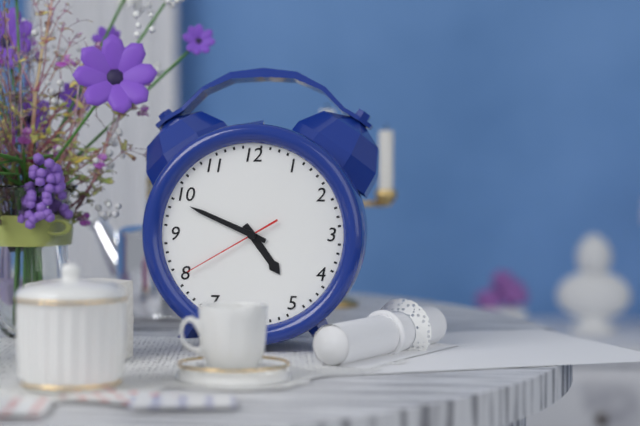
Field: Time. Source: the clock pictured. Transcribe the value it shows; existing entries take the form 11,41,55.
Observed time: 4,49,40
